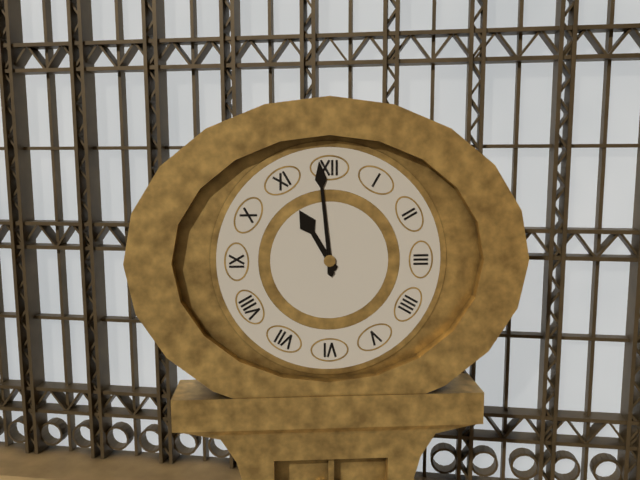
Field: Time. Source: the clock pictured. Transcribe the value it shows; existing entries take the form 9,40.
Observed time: 10,59
